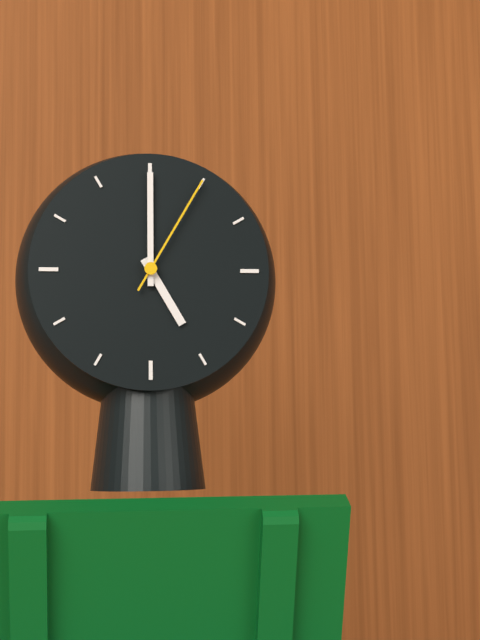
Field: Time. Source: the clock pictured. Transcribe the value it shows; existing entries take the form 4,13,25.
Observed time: 5,00,05
